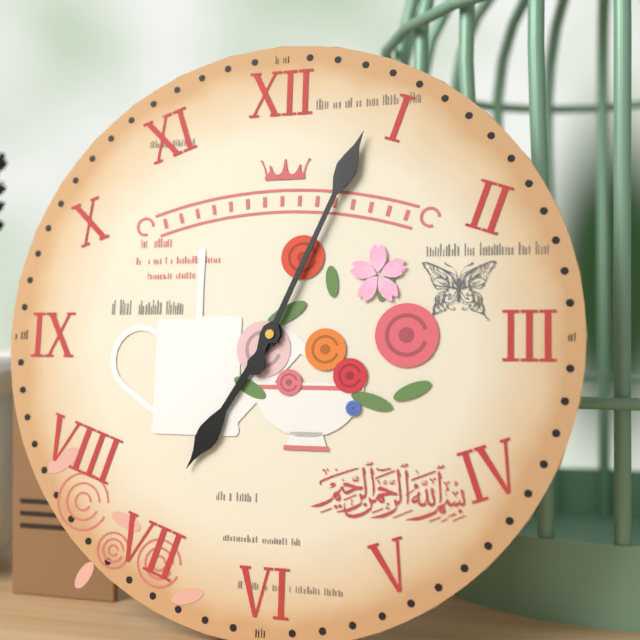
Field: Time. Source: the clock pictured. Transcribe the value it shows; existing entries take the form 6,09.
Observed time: 7,04
